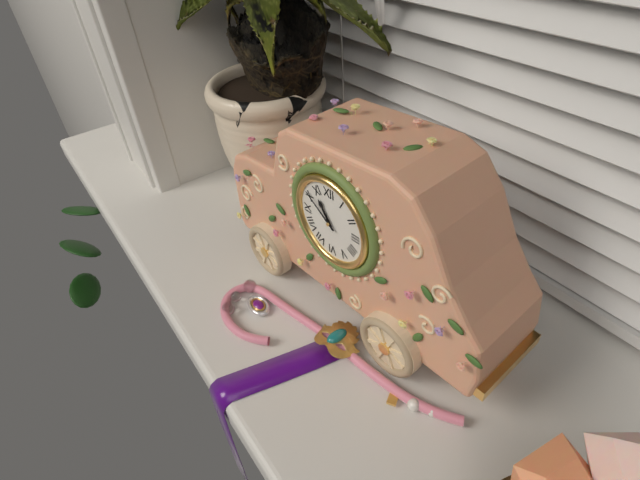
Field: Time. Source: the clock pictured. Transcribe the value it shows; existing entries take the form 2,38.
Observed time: 10,51
